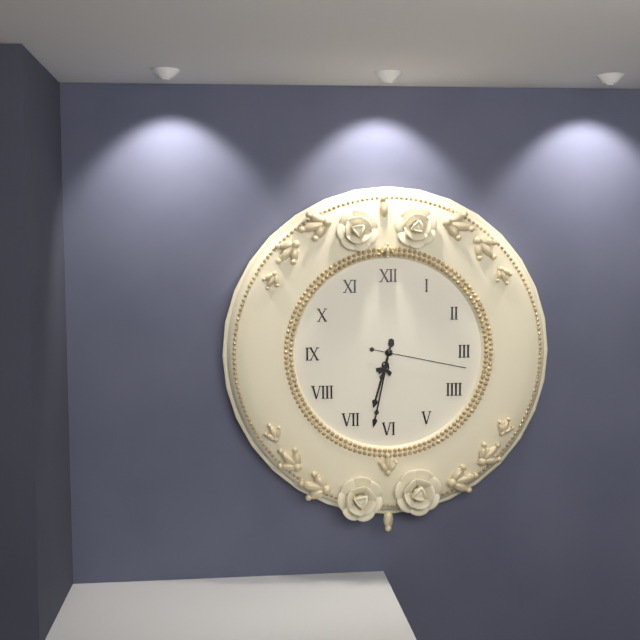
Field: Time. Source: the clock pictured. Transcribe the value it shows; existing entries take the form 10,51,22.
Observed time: 6,32,17
